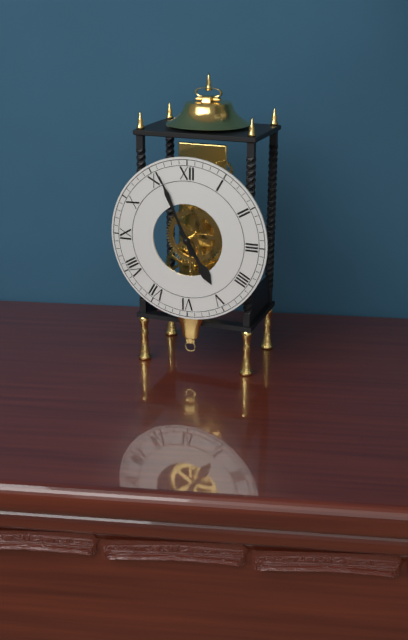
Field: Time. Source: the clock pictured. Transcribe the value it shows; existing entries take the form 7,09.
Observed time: 4,56
